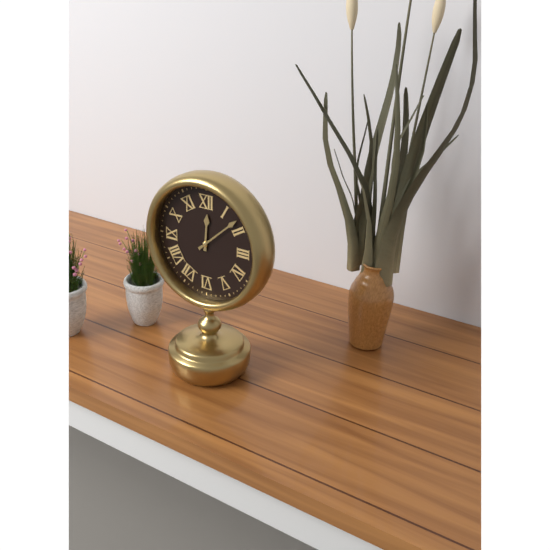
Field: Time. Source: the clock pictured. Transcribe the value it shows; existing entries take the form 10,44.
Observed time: 12,08
